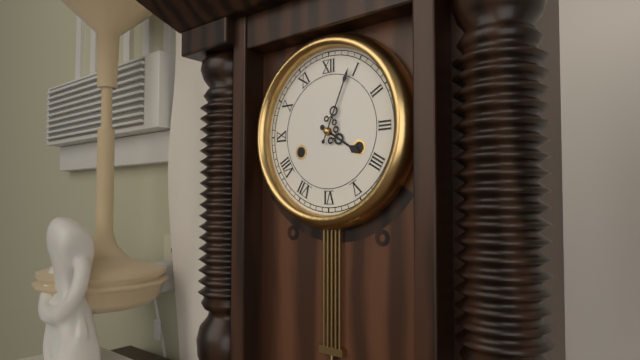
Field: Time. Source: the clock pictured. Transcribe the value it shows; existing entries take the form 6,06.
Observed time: 4,04
